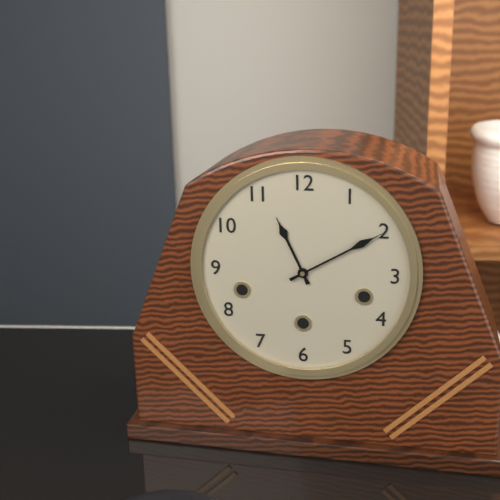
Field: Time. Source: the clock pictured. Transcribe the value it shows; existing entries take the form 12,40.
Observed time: 11,10
